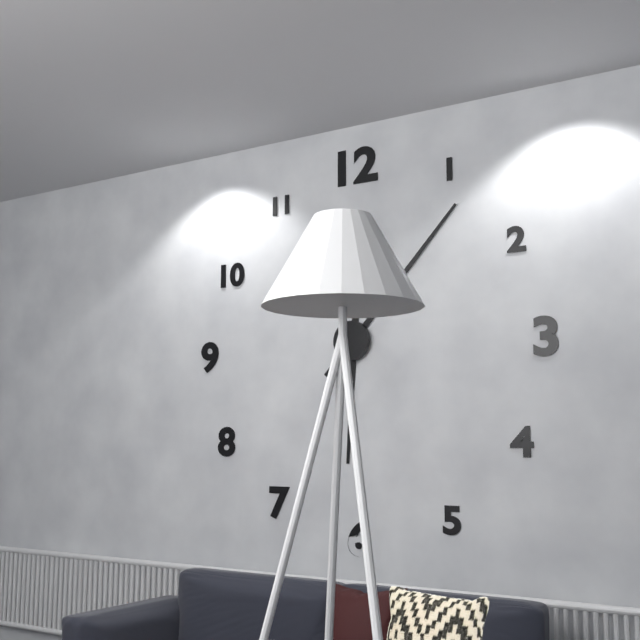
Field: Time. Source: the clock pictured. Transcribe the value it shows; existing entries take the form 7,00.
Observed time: 6,07
